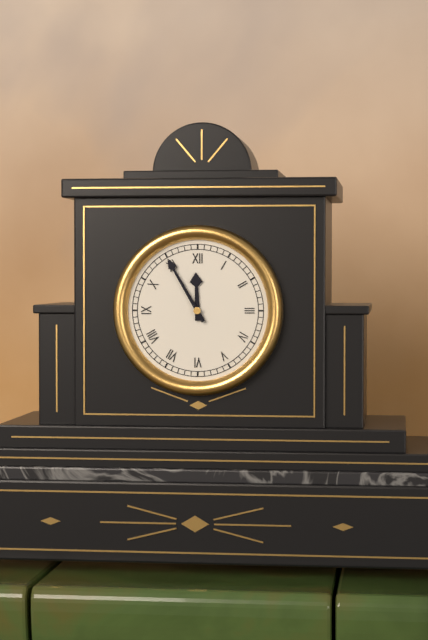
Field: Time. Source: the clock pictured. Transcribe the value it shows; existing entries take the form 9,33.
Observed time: 11,55
